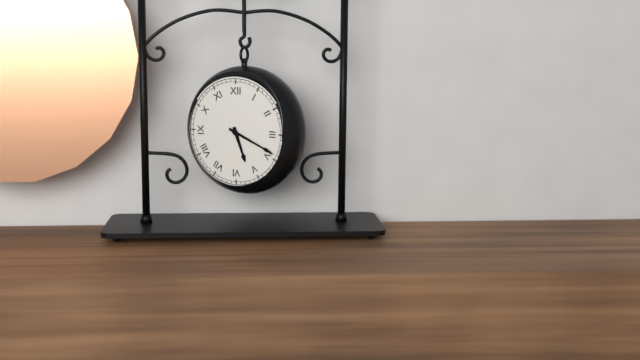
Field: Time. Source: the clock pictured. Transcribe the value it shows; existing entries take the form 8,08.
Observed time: 5,19
